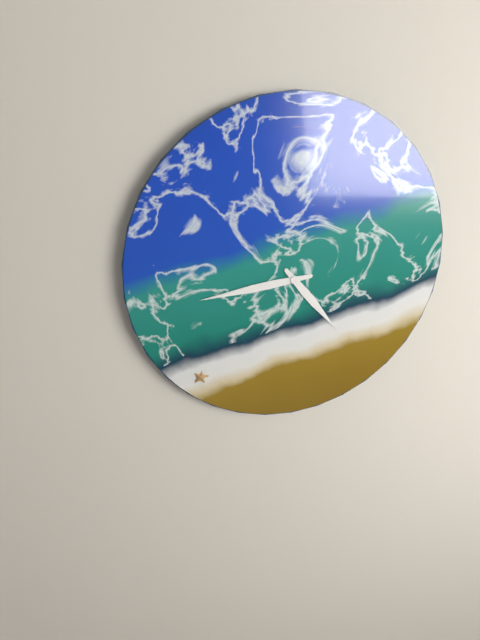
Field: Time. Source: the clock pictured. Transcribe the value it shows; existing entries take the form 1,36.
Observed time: 4,44
